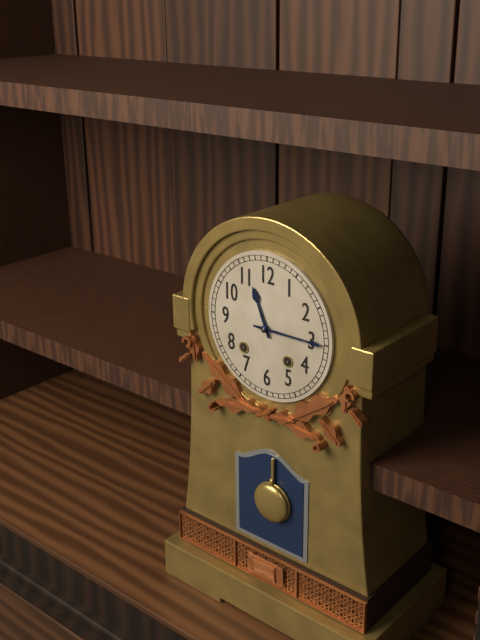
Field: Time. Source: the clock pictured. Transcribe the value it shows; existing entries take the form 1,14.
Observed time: 11,15
